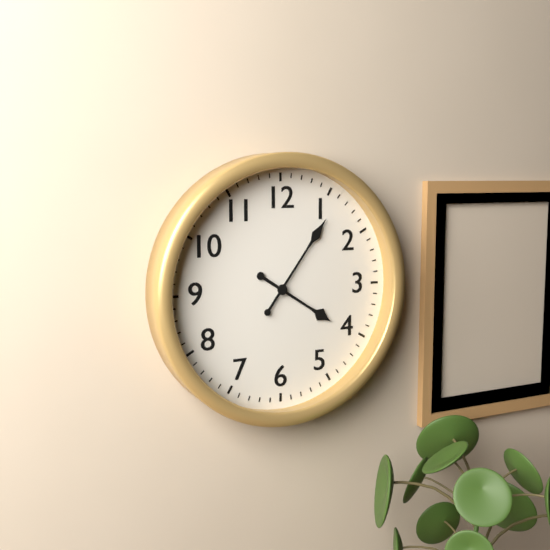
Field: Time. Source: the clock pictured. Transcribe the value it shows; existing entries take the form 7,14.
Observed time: 4,06
